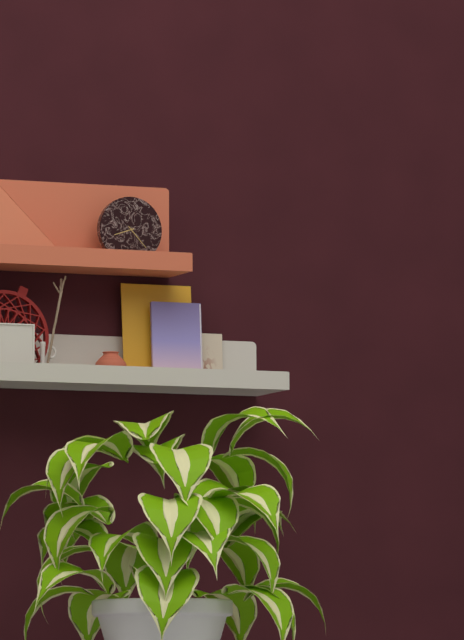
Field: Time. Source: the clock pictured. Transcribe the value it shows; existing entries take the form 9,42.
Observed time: 8,23
